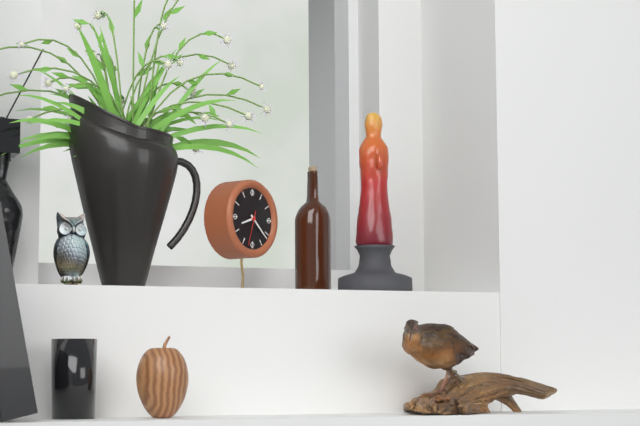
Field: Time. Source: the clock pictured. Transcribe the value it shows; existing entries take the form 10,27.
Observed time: 8,22
